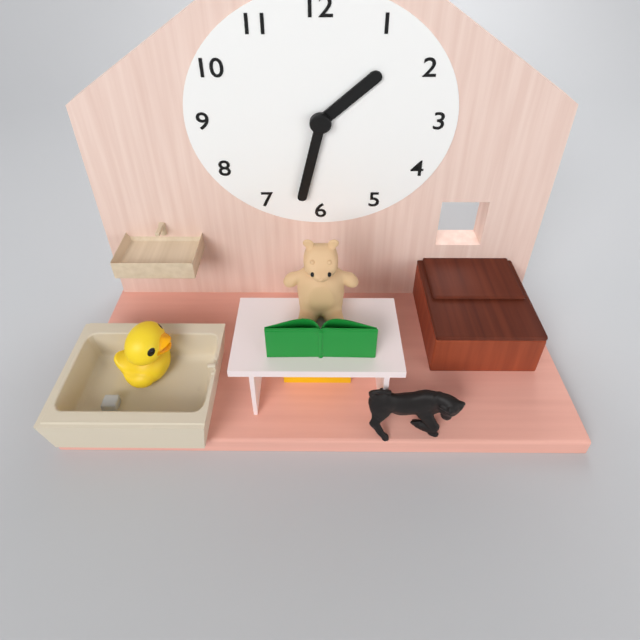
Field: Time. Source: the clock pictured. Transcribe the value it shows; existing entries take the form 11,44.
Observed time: 1,32
